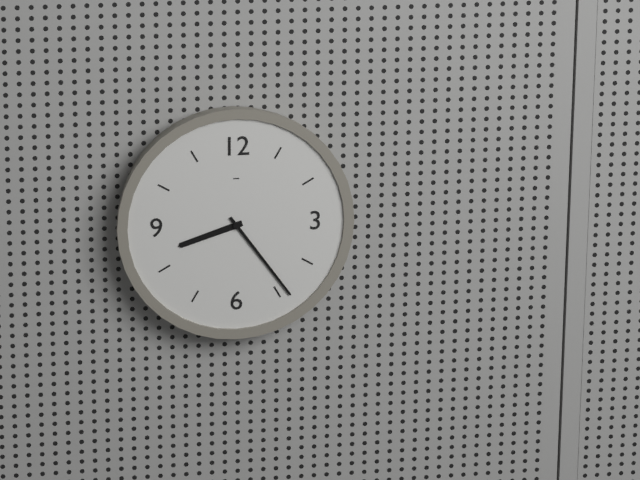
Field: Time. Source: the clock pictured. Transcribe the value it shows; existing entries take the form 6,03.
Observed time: 8,24
